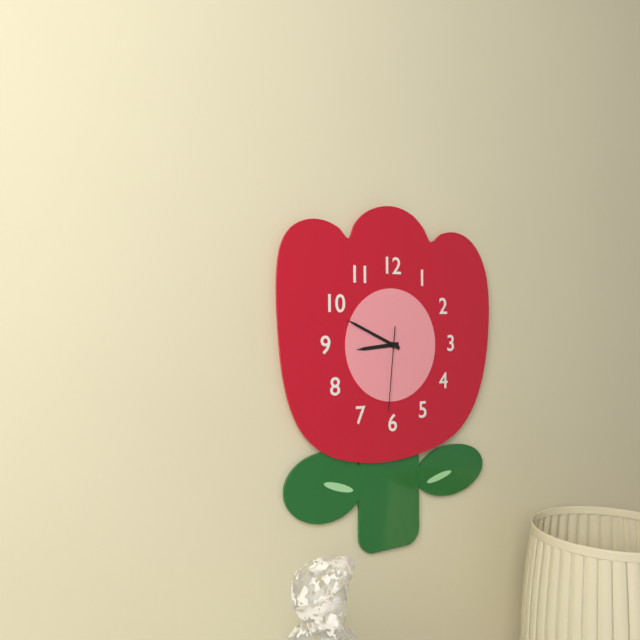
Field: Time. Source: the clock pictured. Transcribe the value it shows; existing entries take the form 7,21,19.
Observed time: 8,49,31
